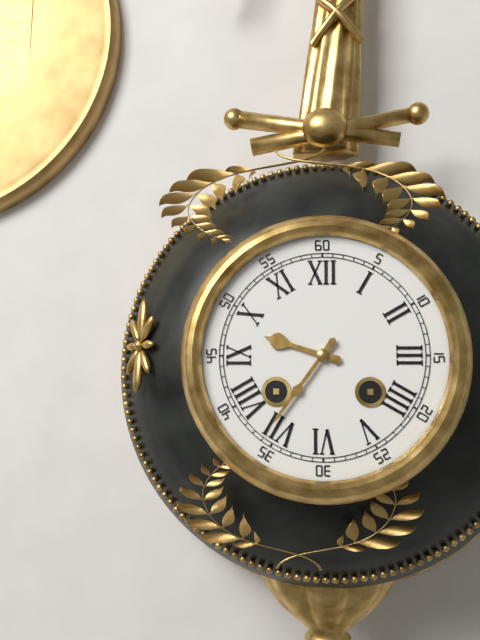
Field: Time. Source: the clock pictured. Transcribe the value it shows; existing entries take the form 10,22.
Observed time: 9,36
